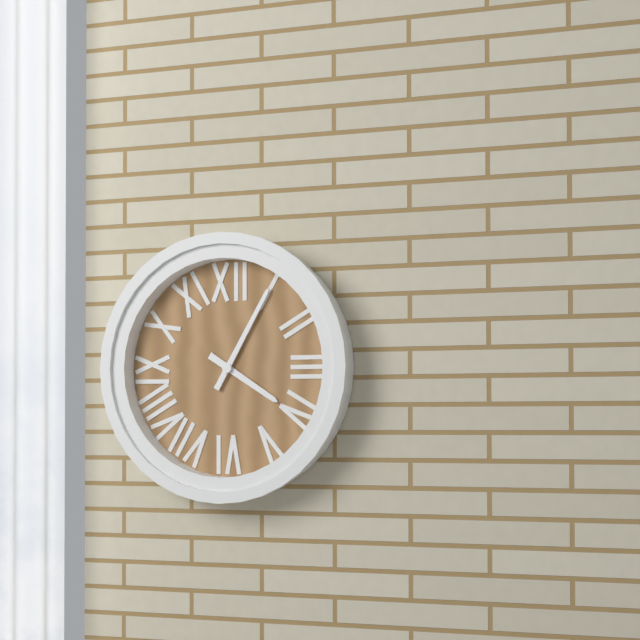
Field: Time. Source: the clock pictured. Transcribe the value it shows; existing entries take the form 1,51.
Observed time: 4,05
